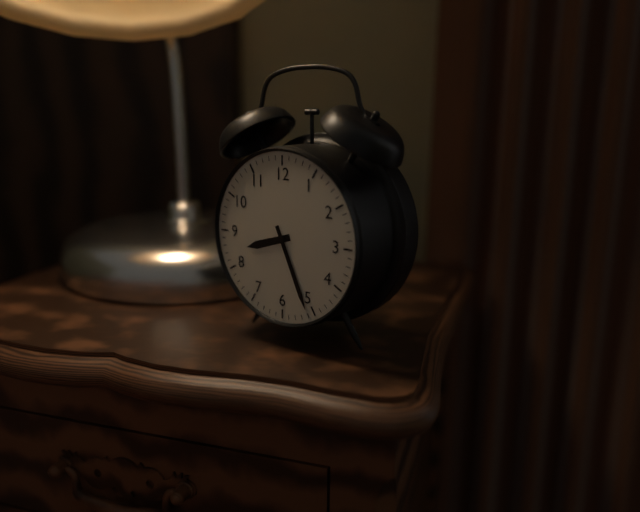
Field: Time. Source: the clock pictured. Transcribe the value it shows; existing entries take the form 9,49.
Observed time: 8,26
